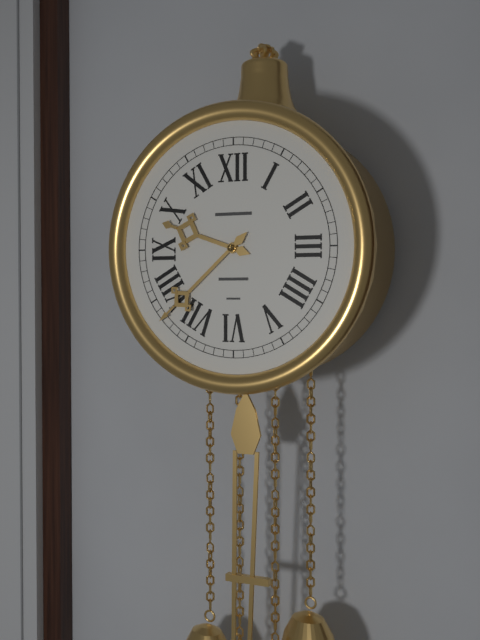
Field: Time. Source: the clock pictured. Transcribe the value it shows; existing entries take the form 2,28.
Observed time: 9,38
